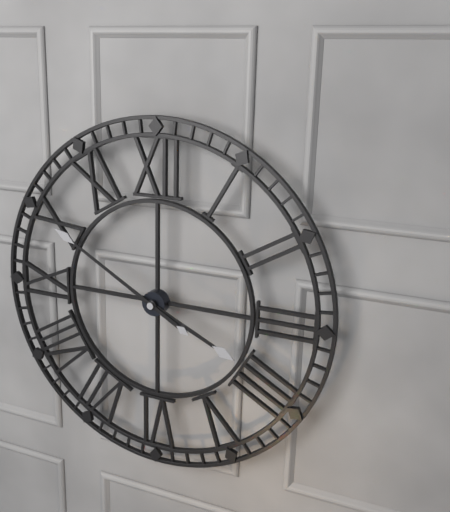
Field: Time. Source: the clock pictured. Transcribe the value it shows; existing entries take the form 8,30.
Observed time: 3,50
